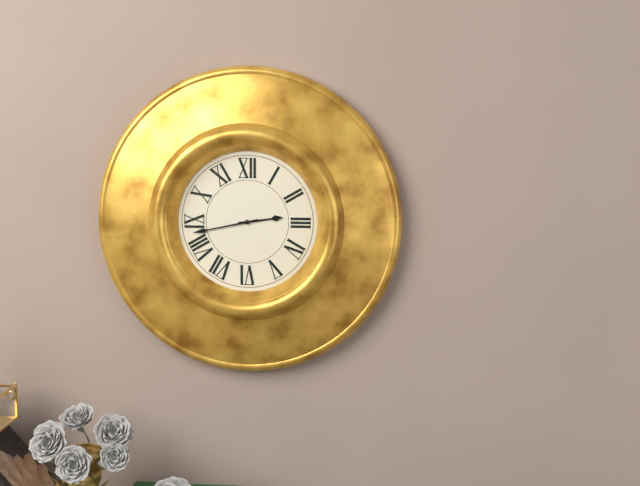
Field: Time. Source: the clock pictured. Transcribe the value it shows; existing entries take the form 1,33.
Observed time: 2,43
